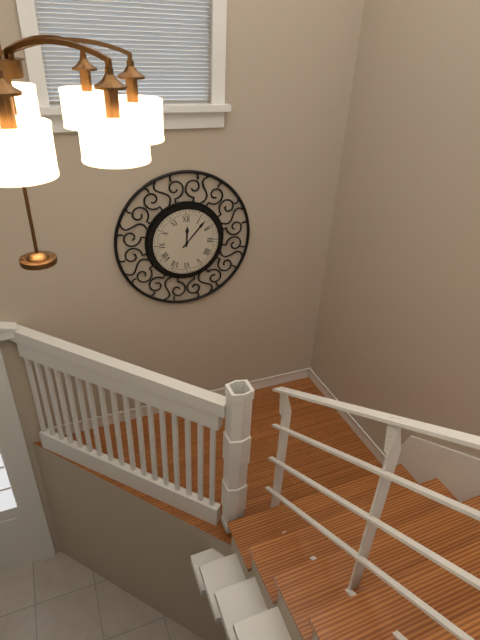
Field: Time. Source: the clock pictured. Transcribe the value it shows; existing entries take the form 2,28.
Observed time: 12,07
